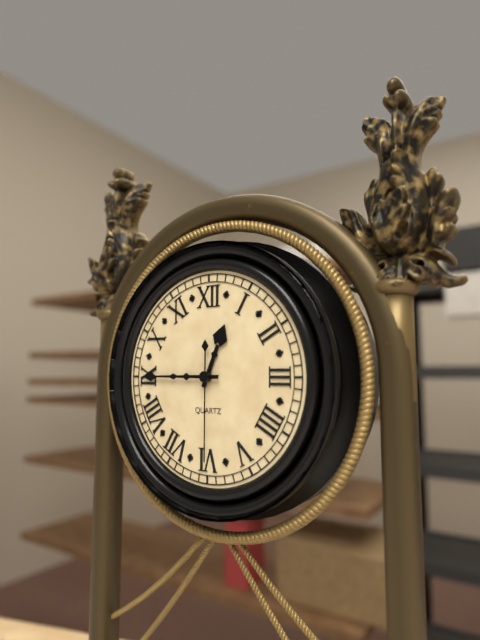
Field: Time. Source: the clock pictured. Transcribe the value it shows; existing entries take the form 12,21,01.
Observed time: 12,45,30
